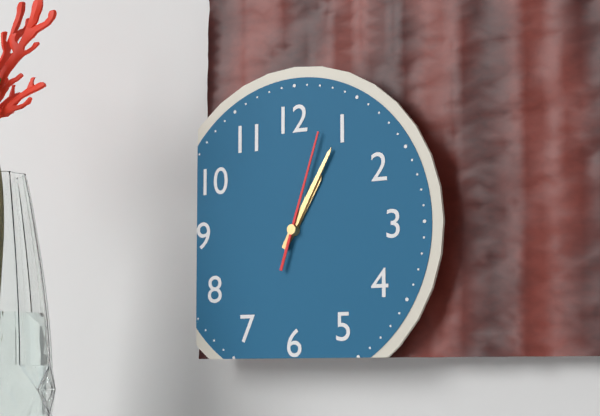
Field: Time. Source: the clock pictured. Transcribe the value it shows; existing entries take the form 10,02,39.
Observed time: 1,05,03
